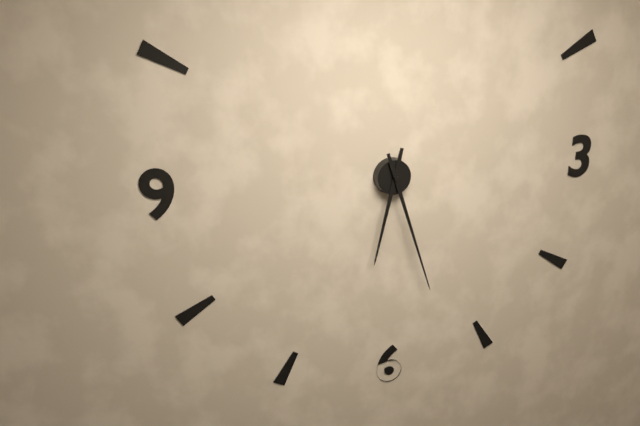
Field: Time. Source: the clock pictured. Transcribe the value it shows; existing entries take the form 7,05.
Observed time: 6,27
